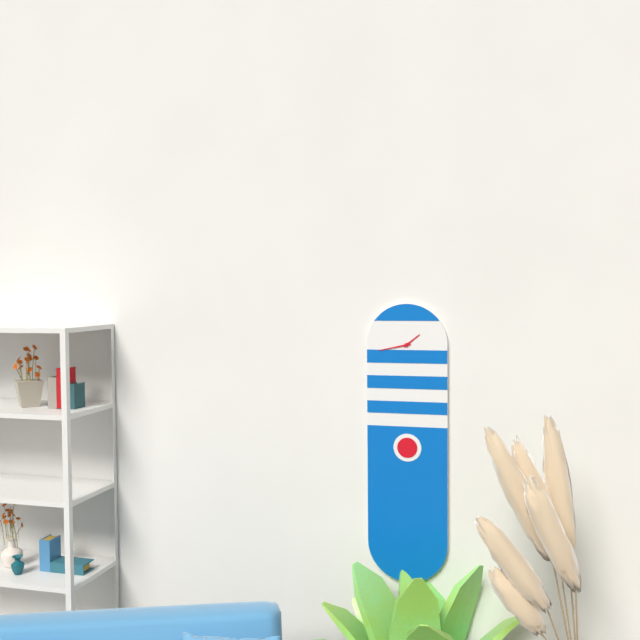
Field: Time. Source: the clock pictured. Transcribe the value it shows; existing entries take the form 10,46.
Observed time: 1,43
